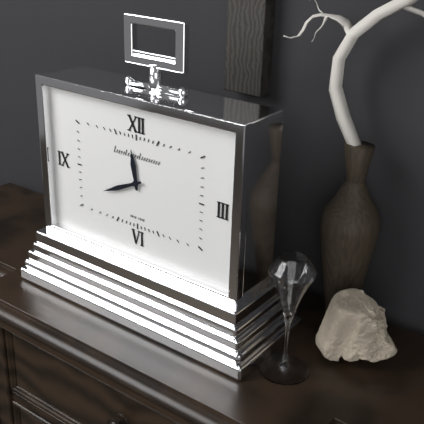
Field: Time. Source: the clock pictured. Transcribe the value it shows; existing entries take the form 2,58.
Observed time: 11,41
